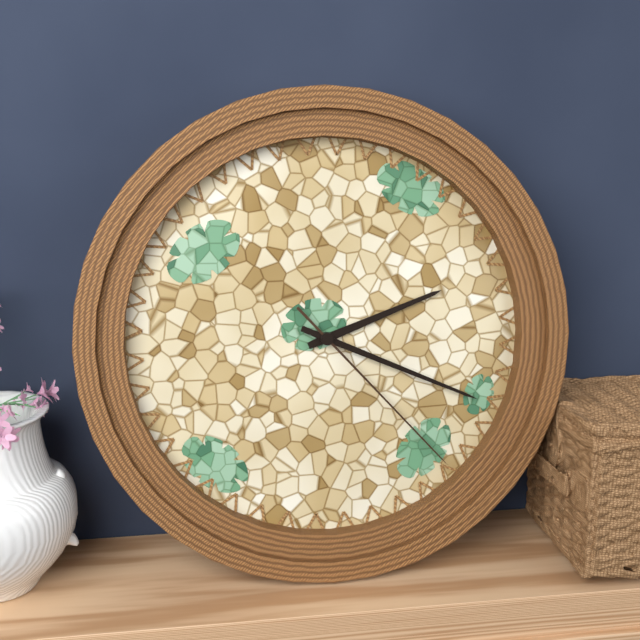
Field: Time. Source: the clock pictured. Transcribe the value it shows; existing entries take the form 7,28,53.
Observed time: 2,19,23
